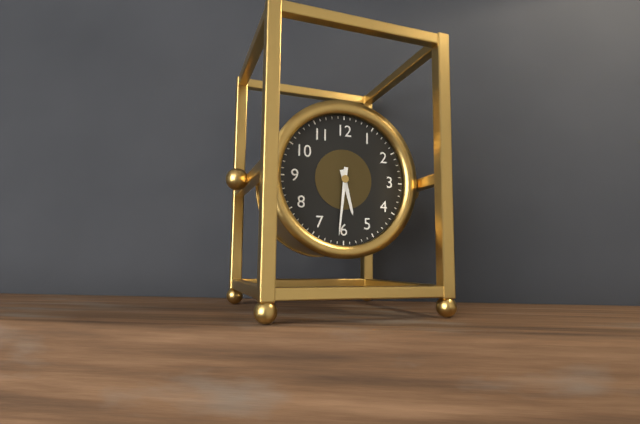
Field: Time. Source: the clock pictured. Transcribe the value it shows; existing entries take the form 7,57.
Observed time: 5,31
